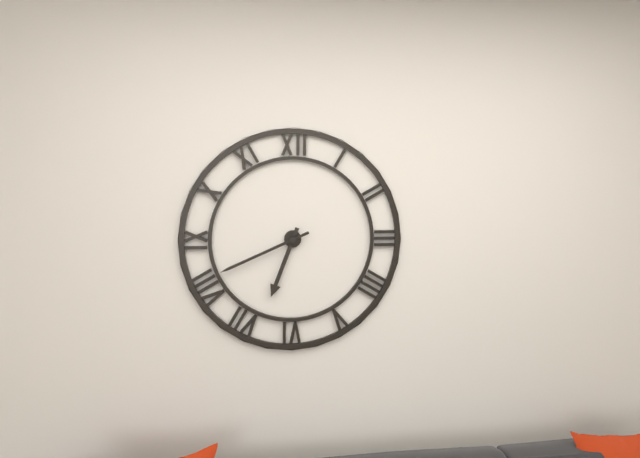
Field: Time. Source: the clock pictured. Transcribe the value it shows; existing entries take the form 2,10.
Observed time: 6,41
